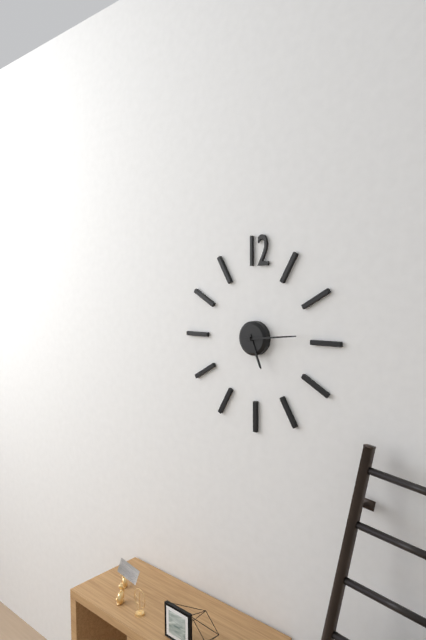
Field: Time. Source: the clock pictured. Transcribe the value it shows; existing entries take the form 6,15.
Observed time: 5,14
